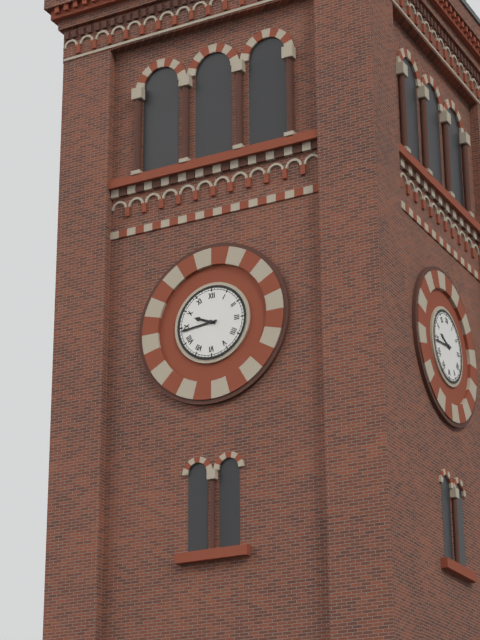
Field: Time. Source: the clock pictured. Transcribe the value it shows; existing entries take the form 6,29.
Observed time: 9,44
